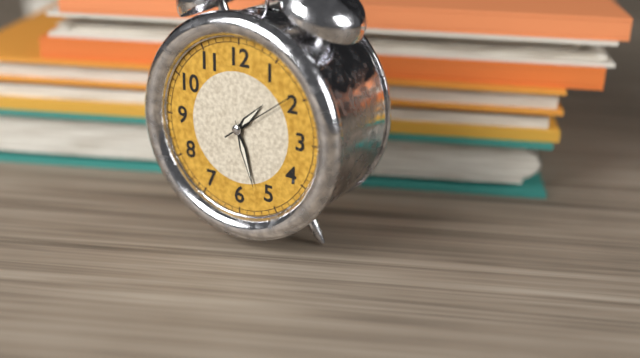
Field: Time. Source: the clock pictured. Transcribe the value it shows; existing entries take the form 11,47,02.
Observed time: 1,27,09
